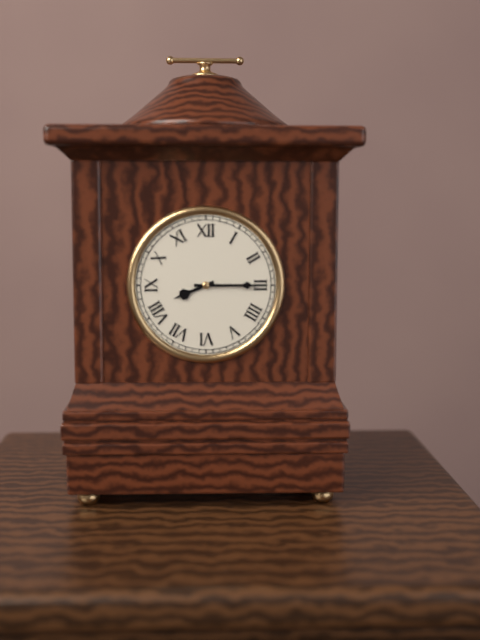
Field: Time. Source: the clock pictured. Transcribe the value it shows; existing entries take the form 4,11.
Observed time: 8,15
